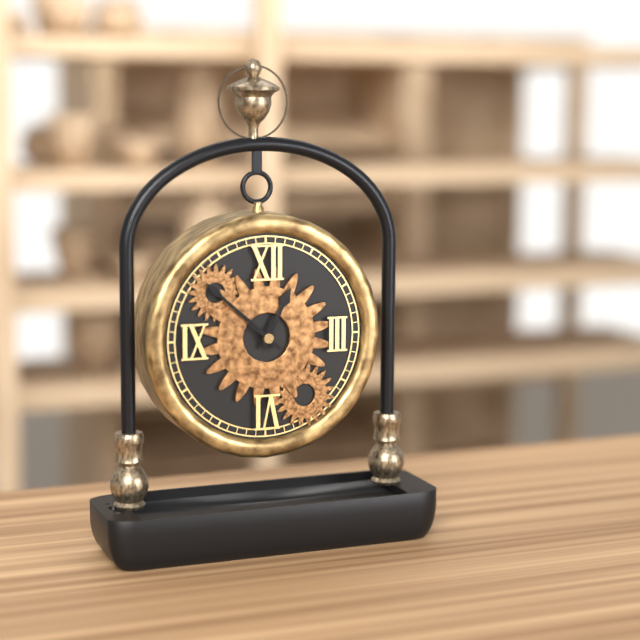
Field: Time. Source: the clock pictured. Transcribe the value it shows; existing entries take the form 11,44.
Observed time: 12,52
